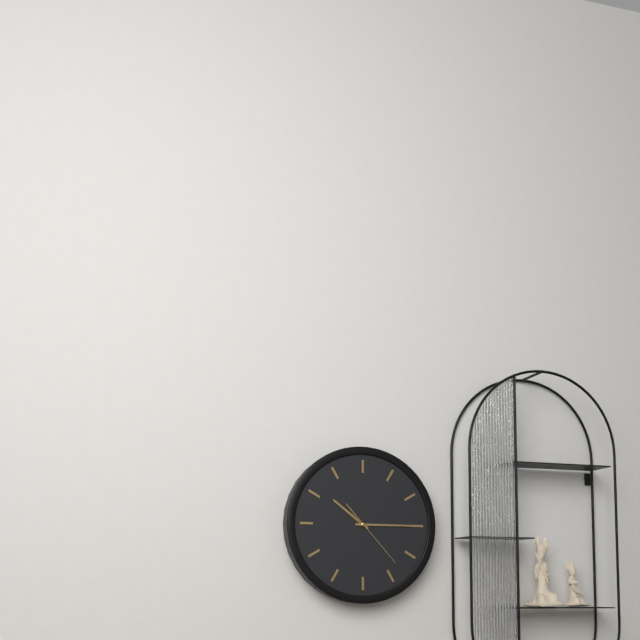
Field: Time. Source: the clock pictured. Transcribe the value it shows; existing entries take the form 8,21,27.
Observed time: 10,15,23
